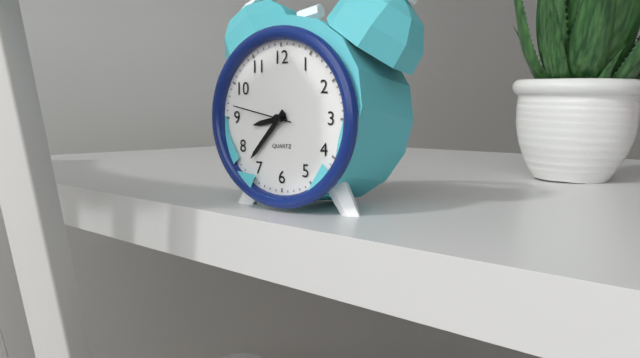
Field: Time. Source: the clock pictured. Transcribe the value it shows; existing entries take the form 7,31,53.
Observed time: 8,37,47
